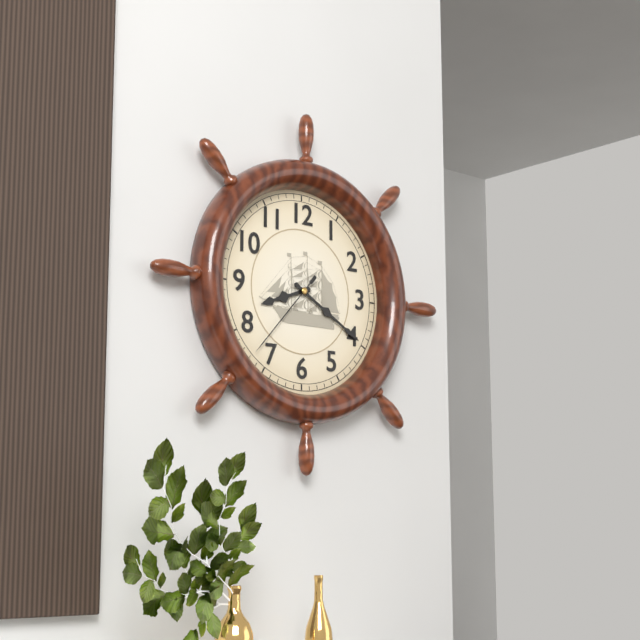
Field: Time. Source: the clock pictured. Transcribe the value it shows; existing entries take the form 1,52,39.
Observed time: 8,20,37
